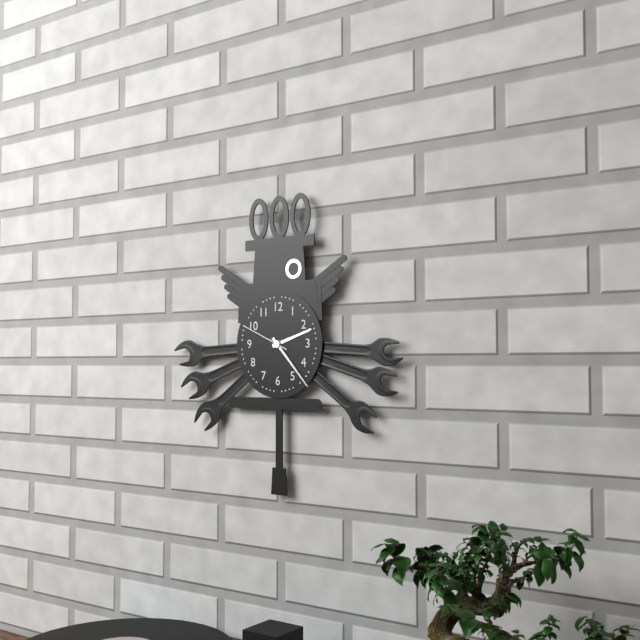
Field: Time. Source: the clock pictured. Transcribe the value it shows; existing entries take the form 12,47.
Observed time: 2,23
